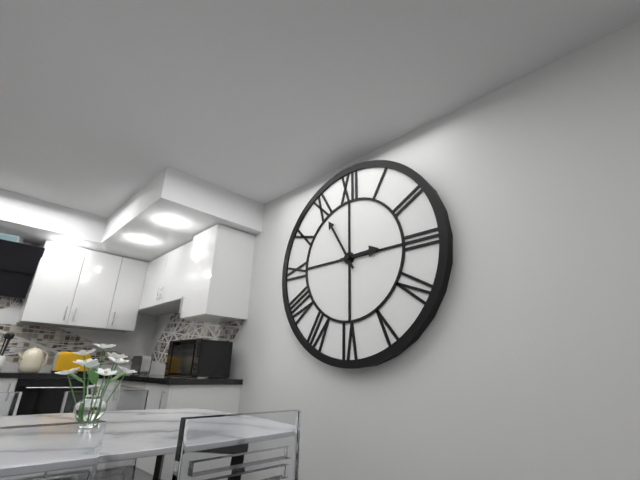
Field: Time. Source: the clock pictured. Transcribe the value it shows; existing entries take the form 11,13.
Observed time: 2,55
